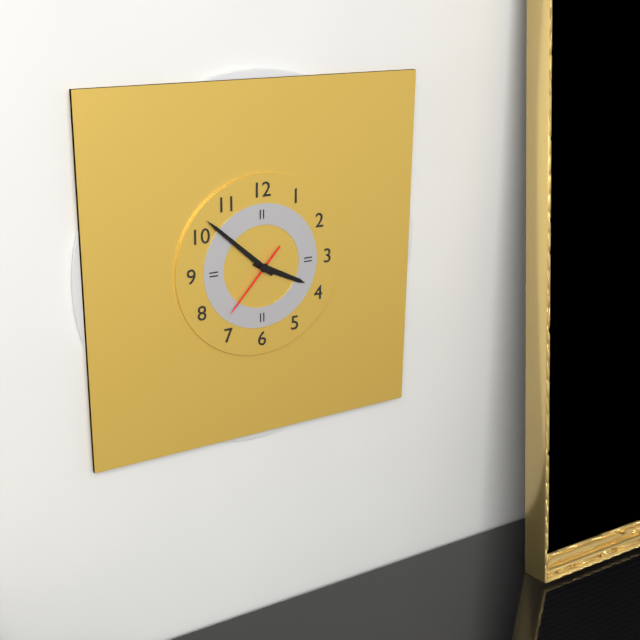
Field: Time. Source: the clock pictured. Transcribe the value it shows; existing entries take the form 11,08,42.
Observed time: 3,52,37
